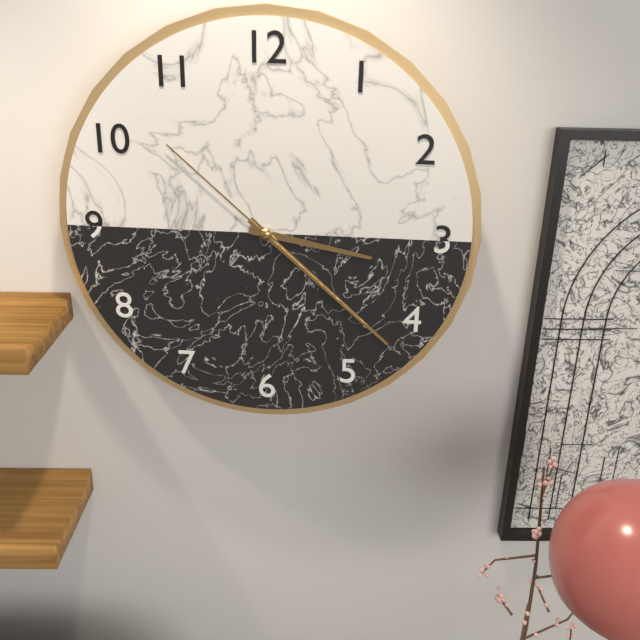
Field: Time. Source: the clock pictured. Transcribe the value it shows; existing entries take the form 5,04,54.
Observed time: 3,22,22
